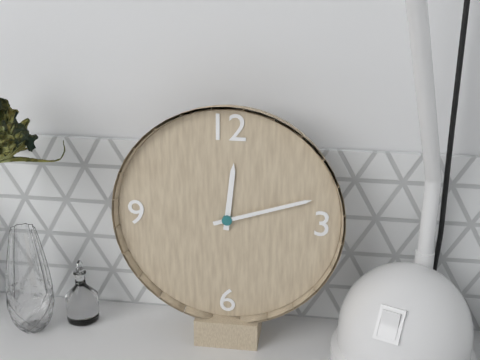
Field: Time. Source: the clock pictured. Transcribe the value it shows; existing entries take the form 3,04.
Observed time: 12,12
